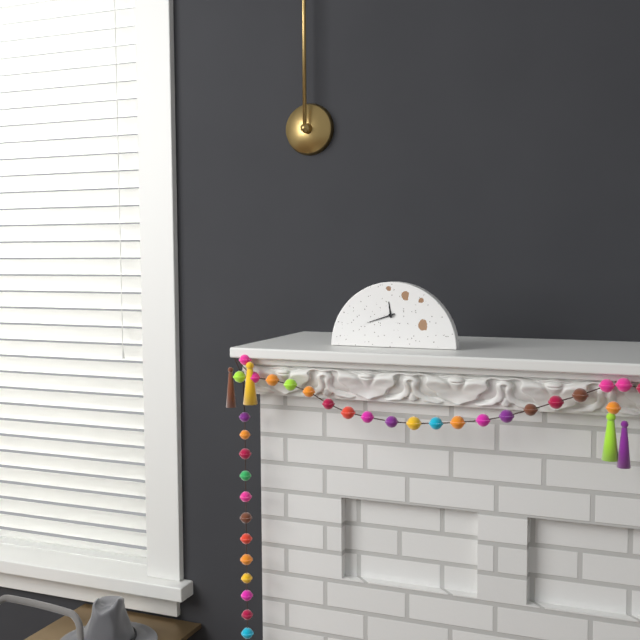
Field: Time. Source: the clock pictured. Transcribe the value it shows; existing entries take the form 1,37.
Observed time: 11,42
